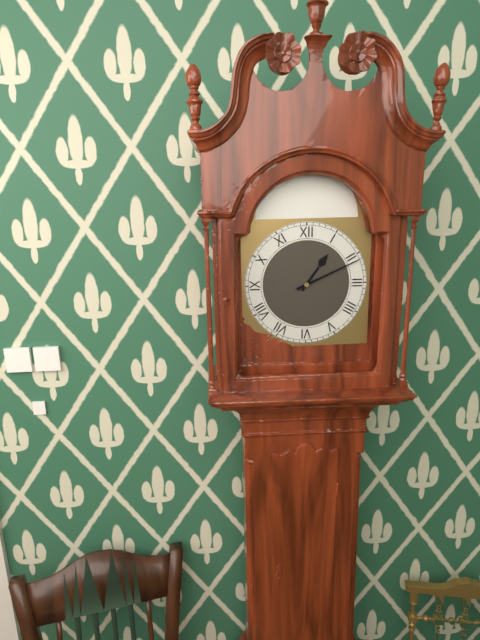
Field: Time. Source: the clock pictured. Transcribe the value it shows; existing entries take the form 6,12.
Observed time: 1,11
